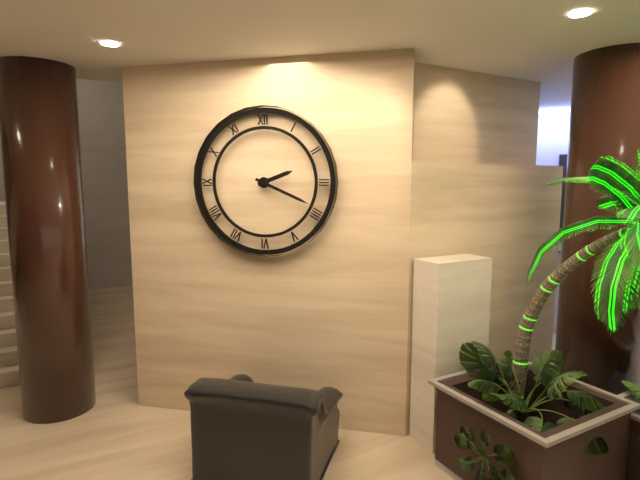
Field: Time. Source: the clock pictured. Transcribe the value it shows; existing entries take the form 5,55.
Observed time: 2,19
